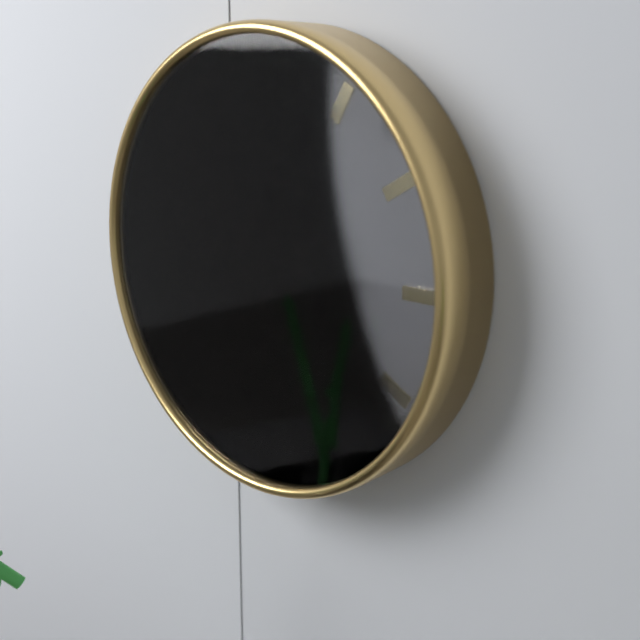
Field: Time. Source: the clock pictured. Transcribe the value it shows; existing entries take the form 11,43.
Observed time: 8,45
